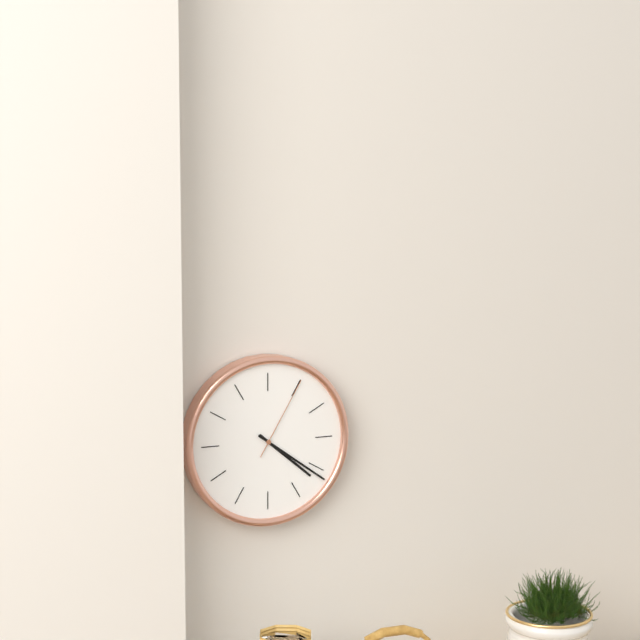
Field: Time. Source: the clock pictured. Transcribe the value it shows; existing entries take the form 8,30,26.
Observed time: 4,21,05
